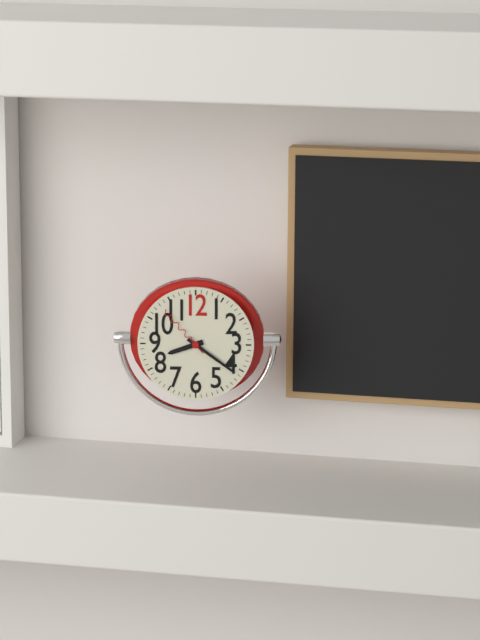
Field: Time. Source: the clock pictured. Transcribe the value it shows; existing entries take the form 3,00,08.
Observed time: 8,21,53
